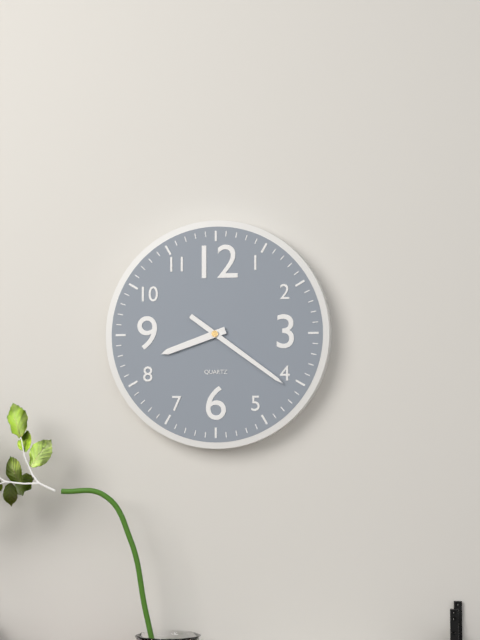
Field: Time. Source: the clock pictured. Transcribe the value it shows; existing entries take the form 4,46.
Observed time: 8,21
